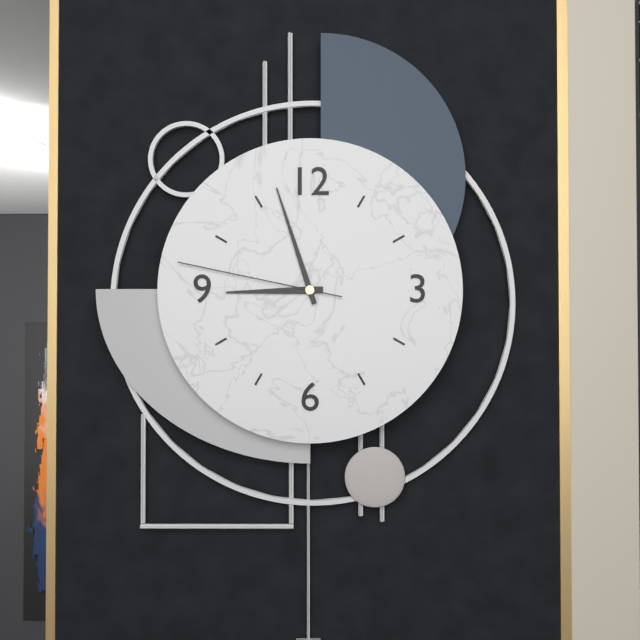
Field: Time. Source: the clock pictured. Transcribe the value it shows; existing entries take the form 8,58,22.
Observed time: 8,57,47
